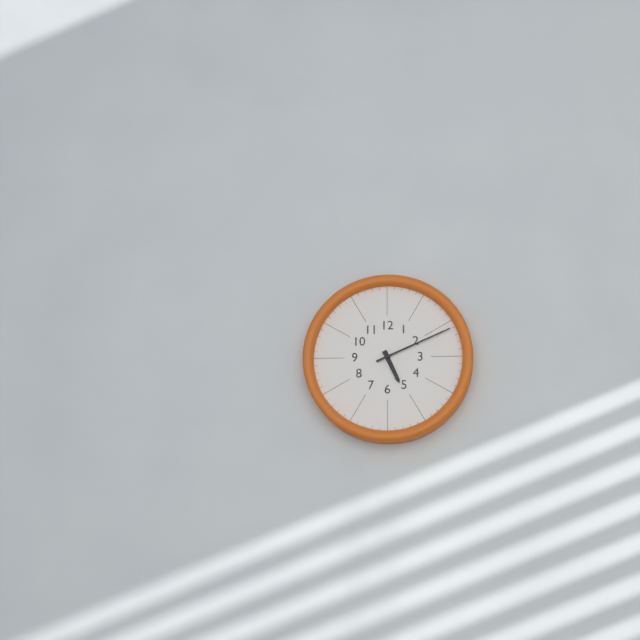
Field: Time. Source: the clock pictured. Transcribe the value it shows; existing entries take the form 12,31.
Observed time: 5,11
